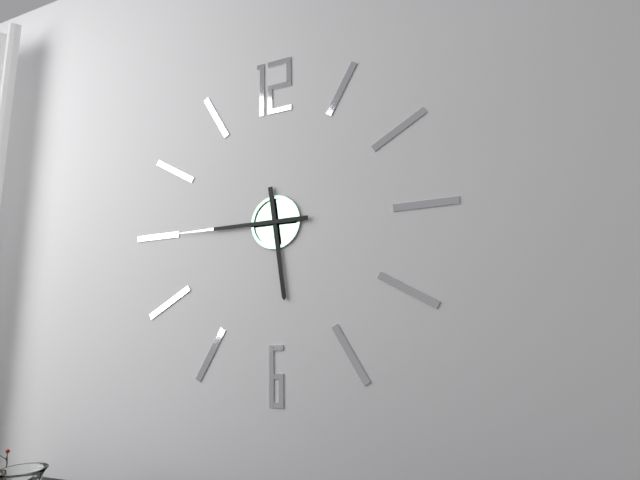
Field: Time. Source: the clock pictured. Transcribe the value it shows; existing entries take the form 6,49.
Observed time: 5,45
